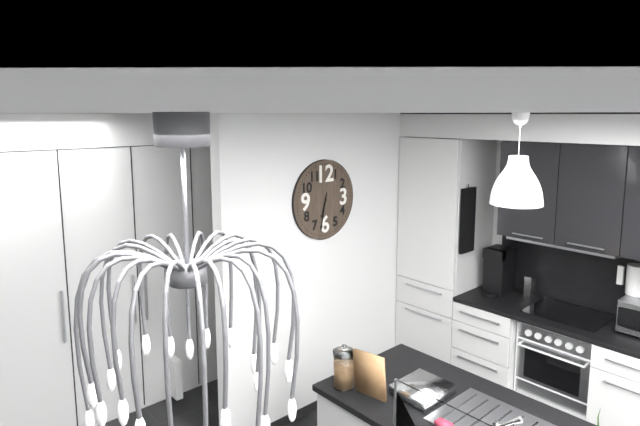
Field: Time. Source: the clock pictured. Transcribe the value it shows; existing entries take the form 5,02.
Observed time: 6,32
